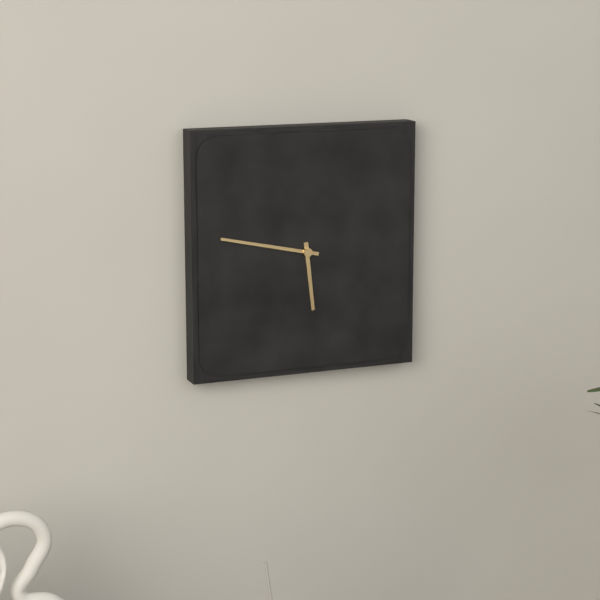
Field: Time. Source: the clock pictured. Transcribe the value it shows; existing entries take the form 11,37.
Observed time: 5,47
